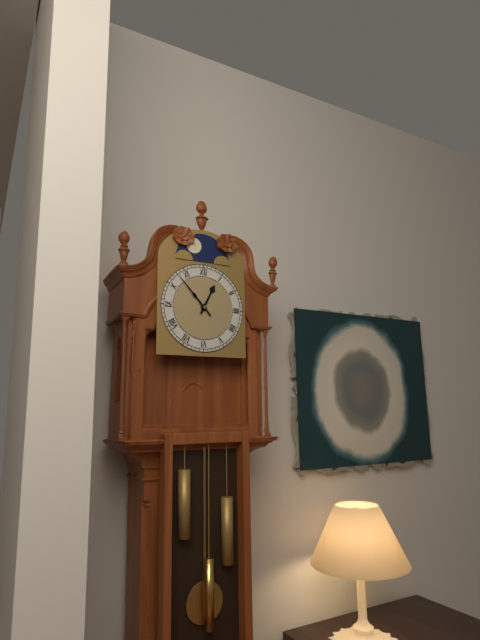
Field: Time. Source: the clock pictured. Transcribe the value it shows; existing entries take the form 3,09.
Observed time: 12,53
